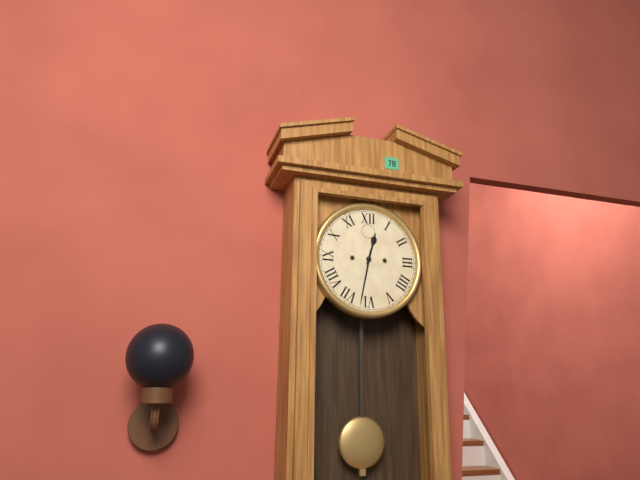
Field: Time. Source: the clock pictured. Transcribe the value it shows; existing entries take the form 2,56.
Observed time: 12,32
